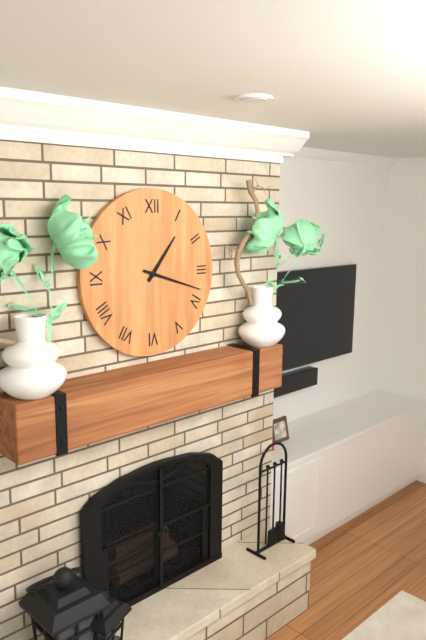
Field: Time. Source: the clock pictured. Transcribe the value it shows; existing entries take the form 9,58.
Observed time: 1,18
